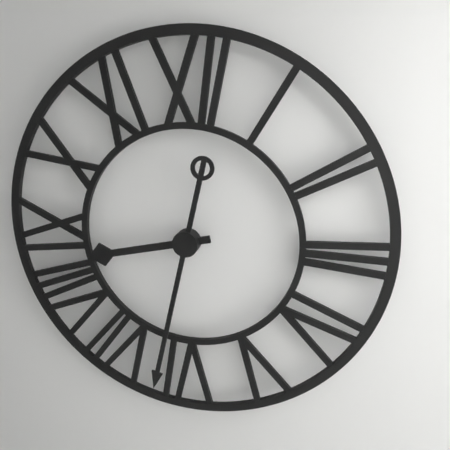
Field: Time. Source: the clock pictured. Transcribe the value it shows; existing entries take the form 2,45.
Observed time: 8,32
